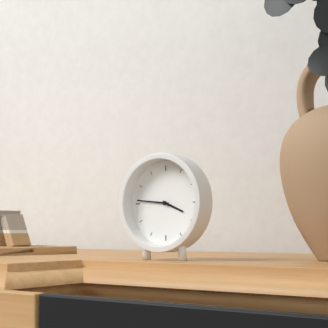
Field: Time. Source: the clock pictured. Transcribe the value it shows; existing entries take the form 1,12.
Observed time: 3,46
